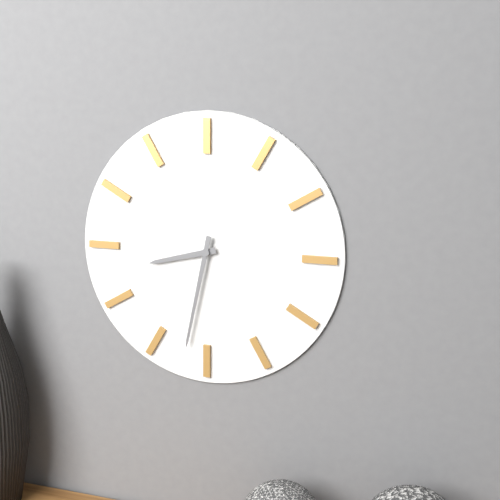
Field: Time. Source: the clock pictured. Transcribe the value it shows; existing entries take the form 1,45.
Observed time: 8,32
